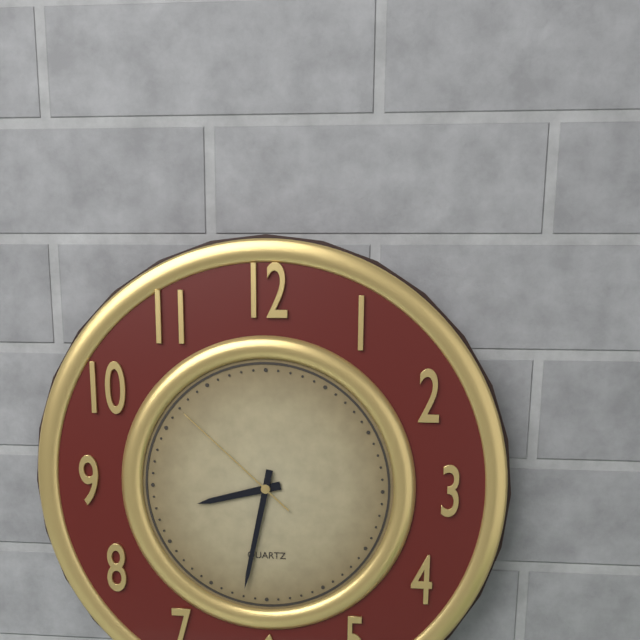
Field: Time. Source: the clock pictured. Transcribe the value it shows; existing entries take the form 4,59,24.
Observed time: 8,32,52
